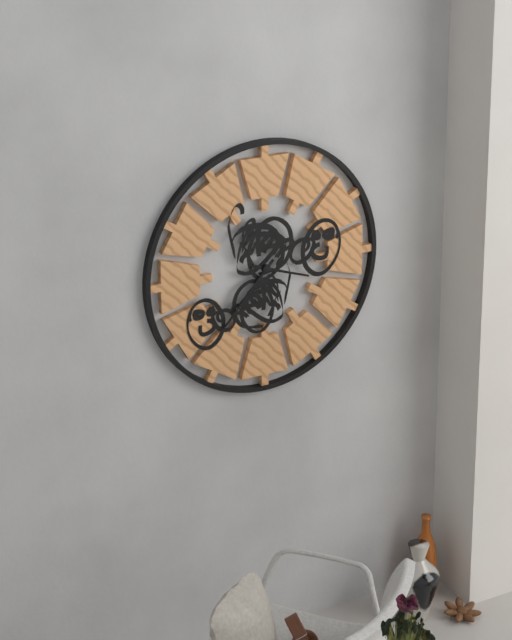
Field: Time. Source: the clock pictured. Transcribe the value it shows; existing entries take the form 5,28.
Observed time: 3,37
